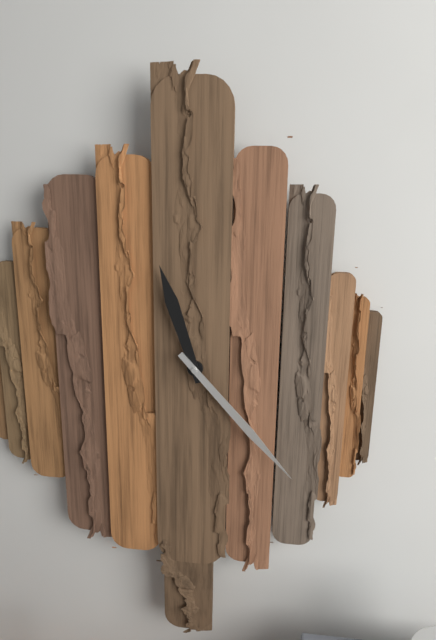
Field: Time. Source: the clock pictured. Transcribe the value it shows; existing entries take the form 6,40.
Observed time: 11,23
